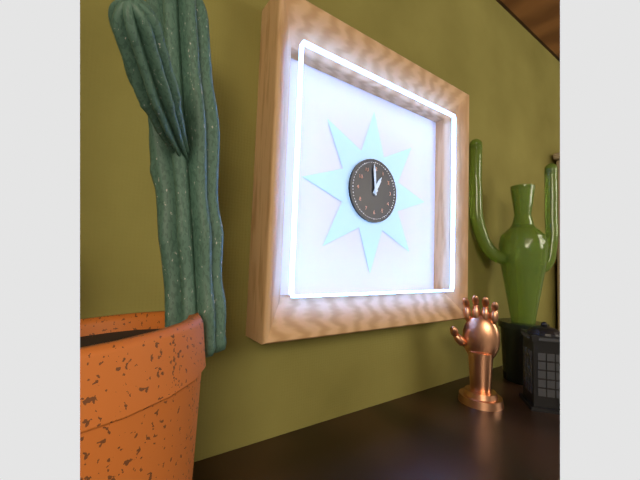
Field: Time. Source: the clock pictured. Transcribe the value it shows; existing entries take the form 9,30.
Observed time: 12,59
